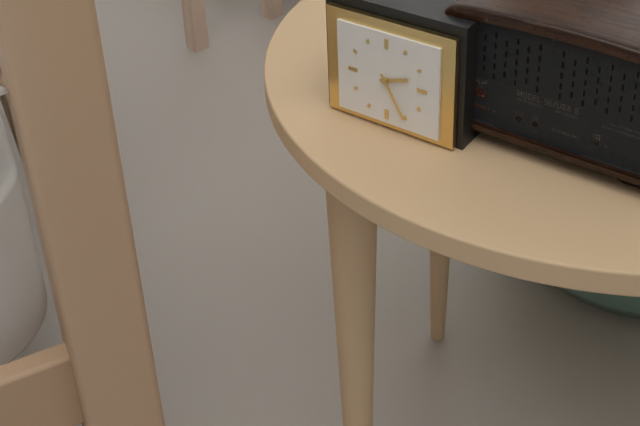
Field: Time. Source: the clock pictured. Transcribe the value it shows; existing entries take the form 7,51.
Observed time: 2,25
